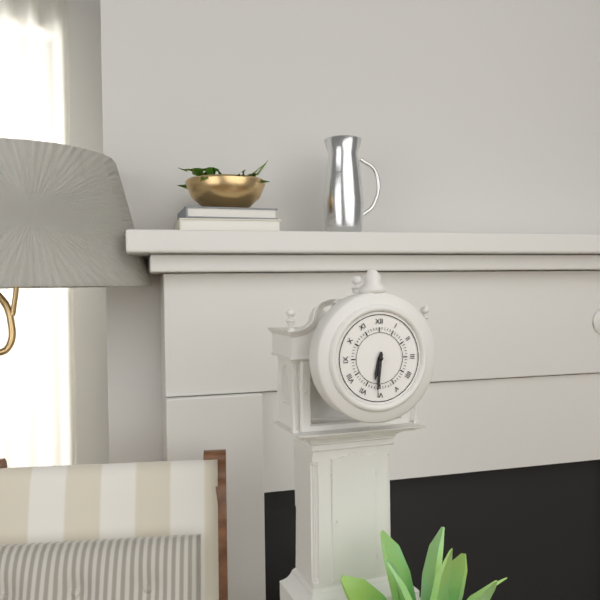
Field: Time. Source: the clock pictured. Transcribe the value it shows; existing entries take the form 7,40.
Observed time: 6,31
